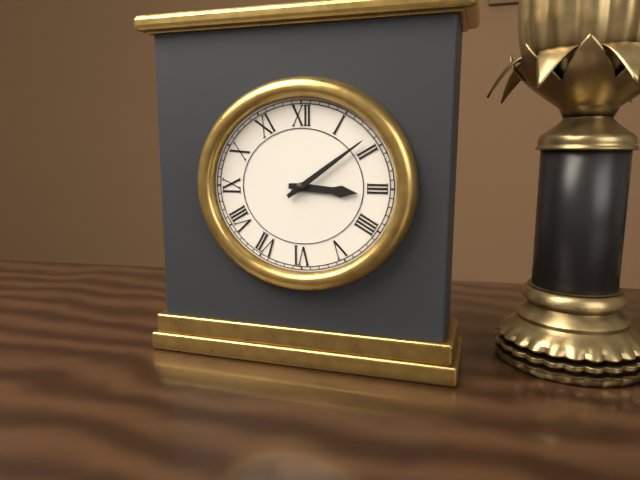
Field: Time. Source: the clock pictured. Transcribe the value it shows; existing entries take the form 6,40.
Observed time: 3,09
